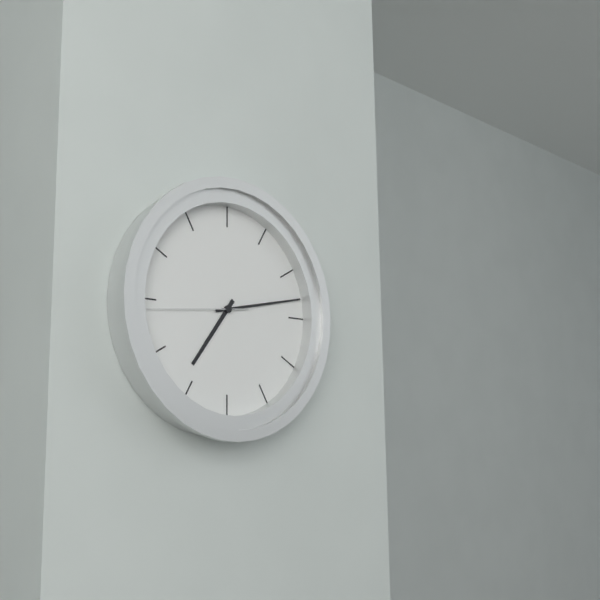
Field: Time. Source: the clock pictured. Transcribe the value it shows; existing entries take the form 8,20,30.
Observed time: 7,13,44
